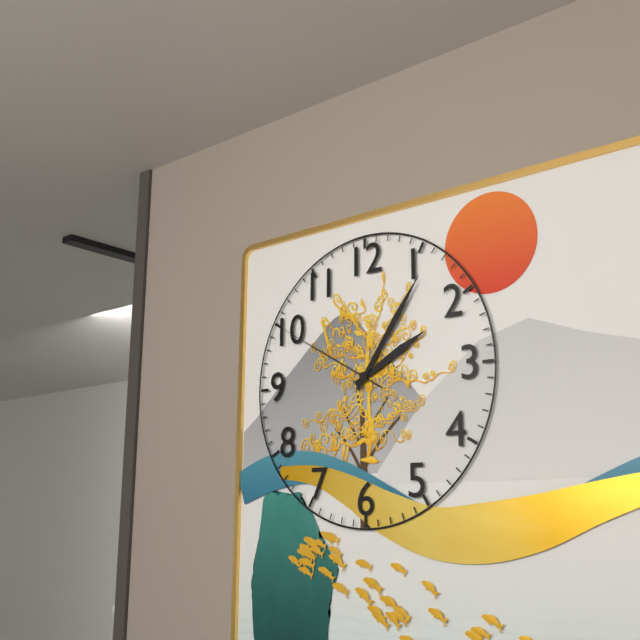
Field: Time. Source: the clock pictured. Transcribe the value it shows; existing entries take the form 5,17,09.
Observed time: 2,06,50
